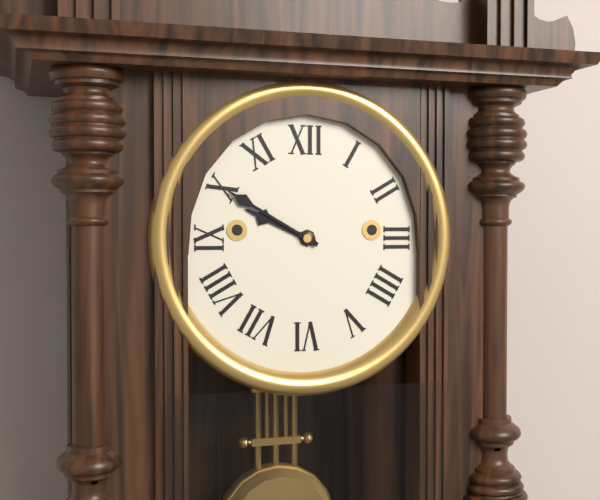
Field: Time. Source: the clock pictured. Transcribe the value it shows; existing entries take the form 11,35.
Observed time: 9,50
